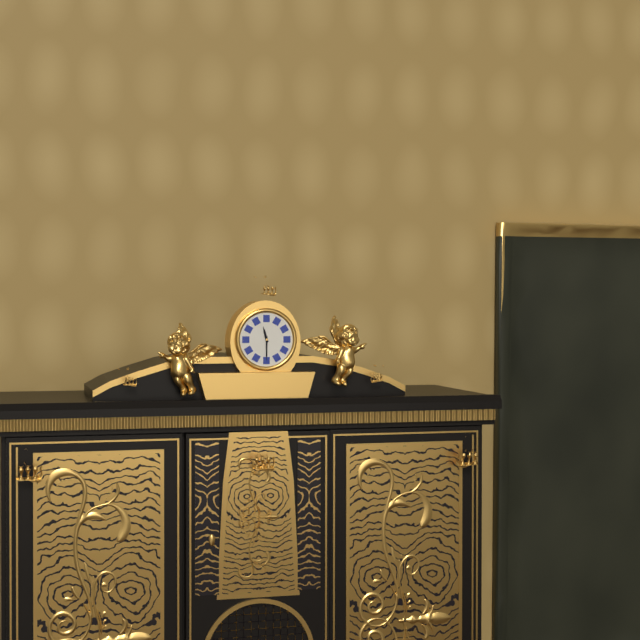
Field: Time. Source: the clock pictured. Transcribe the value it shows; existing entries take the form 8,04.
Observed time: 11,30
